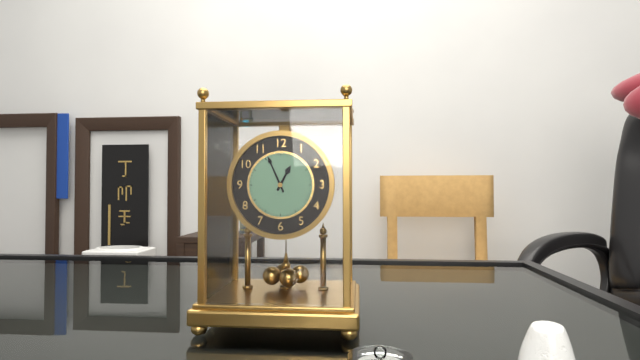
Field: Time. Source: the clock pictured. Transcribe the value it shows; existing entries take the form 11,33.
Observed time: 12,56
